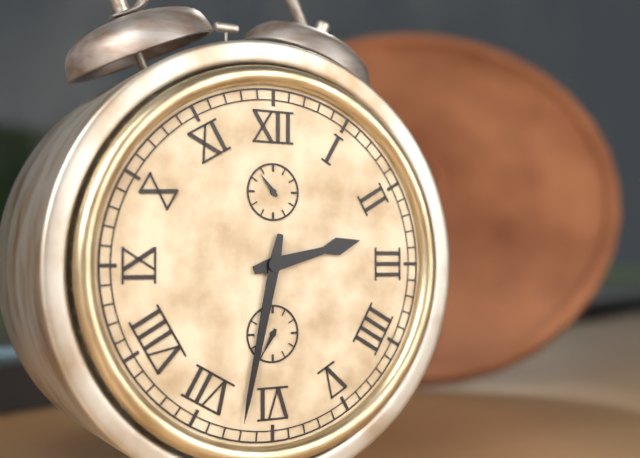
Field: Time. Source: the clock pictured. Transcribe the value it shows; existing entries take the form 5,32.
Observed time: 2,32
